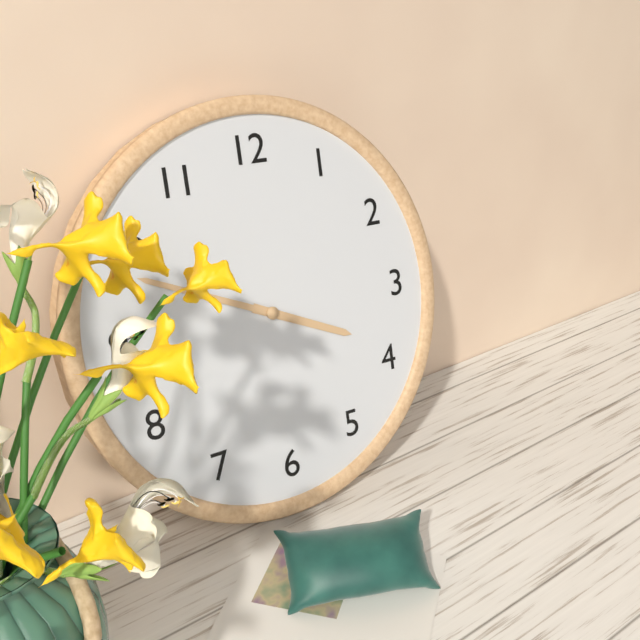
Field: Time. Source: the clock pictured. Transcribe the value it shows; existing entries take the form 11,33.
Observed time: 3,49
